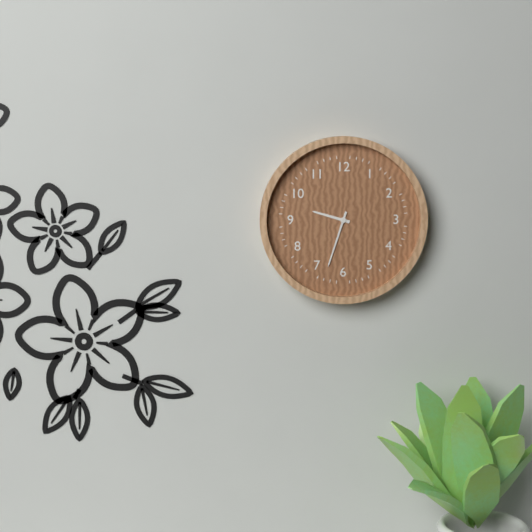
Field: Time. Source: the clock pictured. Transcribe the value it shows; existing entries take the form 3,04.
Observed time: 9,33
